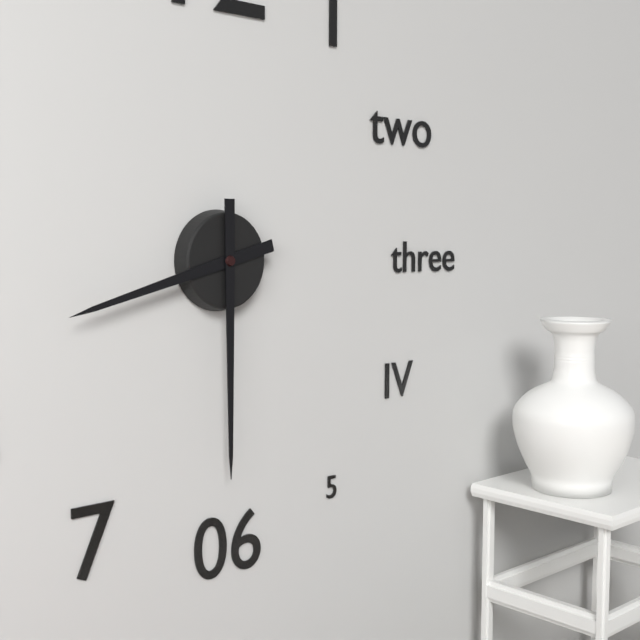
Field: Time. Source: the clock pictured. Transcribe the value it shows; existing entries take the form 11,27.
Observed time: 8,30
